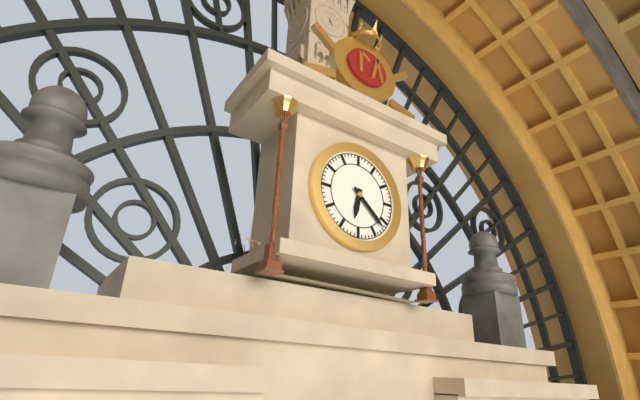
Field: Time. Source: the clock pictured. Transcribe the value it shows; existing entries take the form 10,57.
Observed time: 6,22
